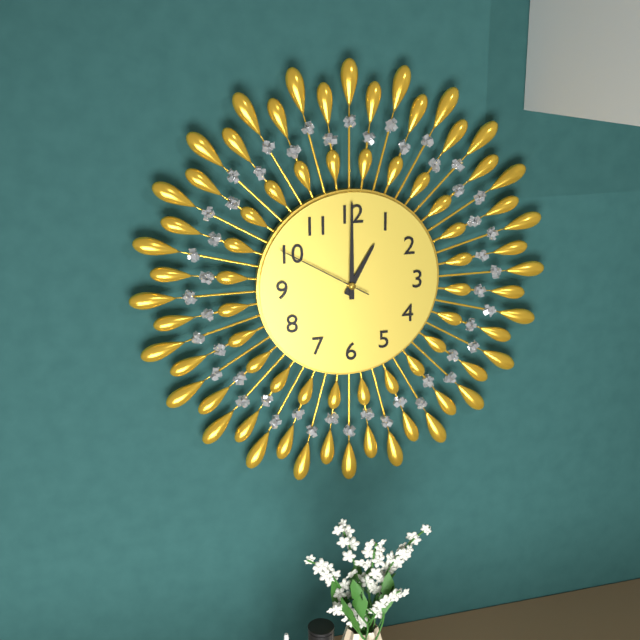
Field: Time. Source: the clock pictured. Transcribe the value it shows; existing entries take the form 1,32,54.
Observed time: 1,00,50
